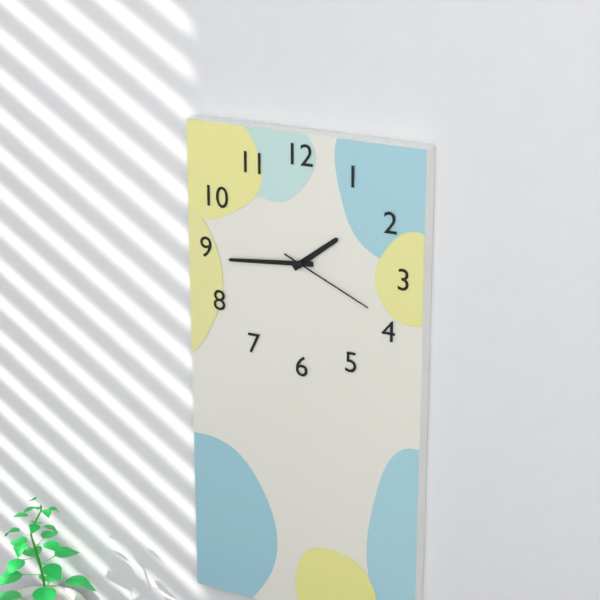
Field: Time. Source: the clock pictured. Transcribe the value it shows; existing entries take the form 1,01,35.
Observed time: 1,44,19
